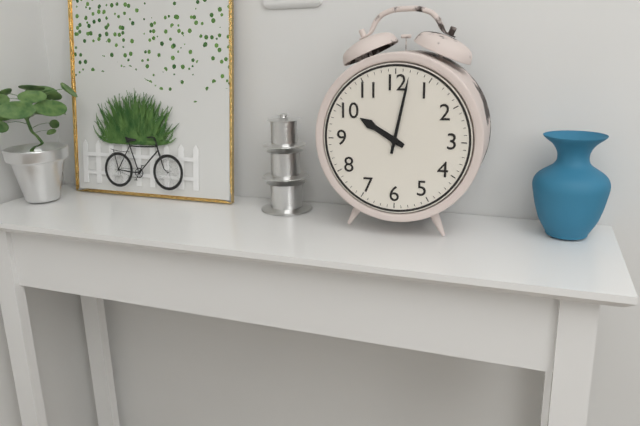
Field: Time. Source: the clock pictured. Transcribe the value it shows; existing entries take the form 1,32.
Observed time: 10,02
